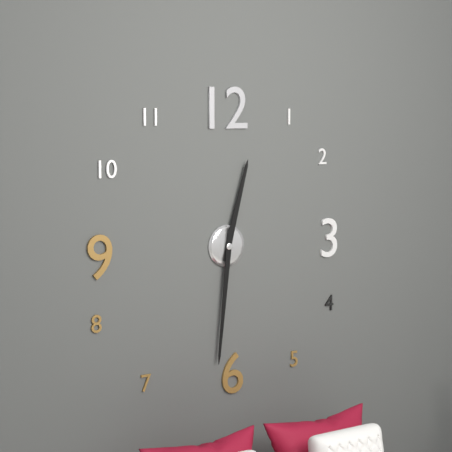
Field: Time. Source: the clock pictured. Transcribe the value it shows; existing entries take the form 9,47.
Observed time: 12,31
